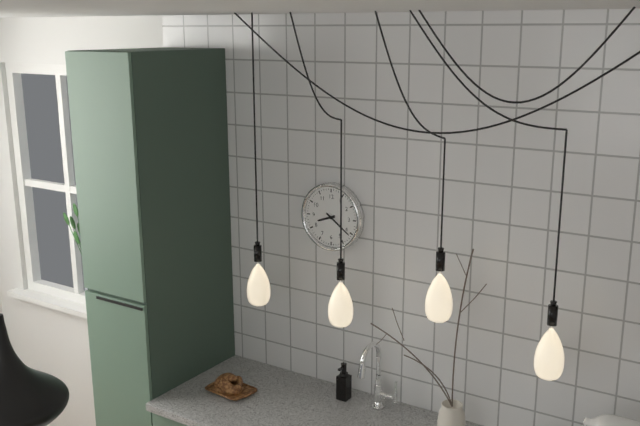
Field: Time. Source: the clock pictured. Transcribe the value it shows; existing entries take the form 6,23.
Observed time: 8,21
